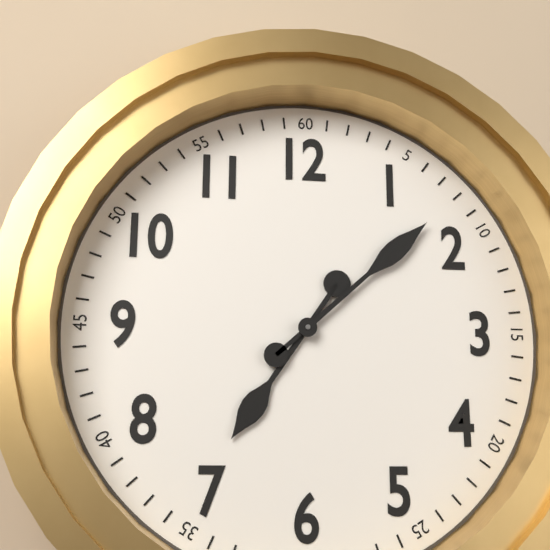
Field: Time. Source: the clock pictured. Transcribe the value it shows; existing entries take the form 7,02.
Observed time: 7,08
